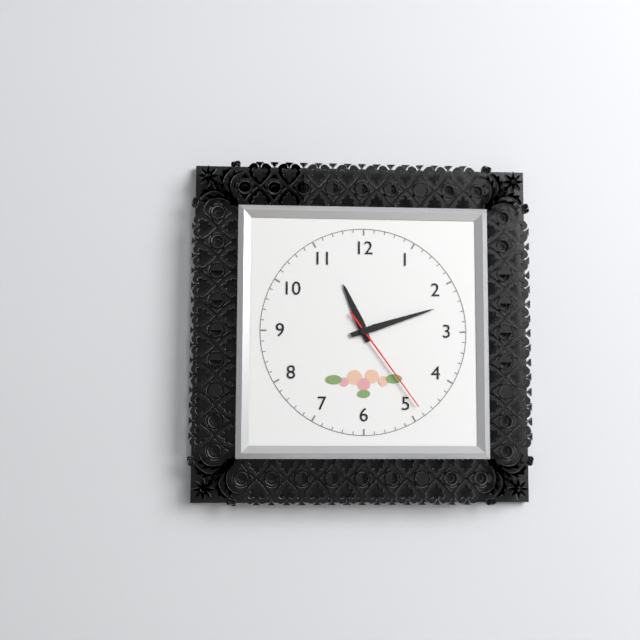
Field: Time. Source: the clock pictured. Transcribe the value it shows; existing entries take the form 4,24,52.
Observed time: 11,12,24
